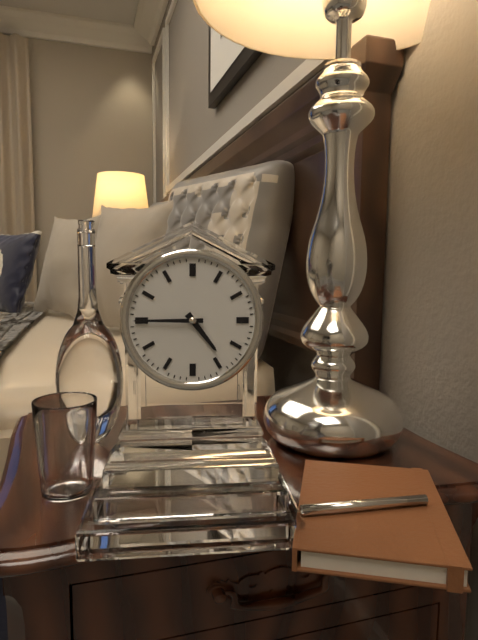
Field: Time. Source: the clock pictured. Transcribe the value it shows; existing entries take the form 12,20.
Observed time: 4,45
